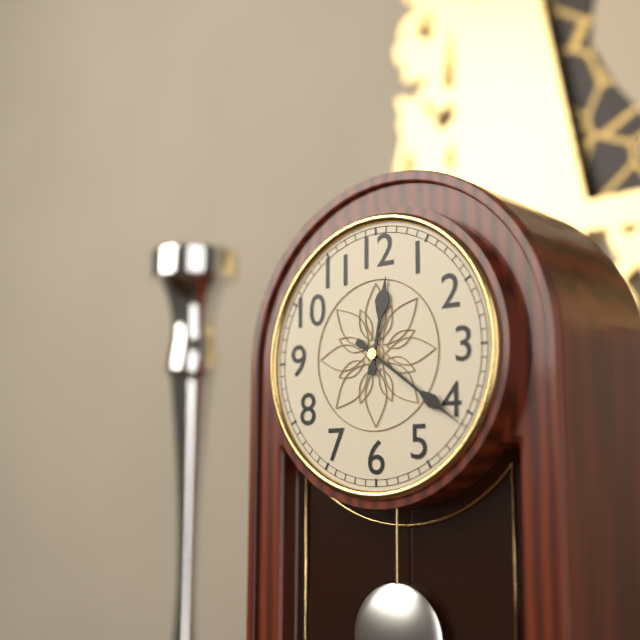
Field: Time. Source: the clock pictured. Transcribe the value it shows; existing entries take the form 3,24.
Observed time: 12,21
